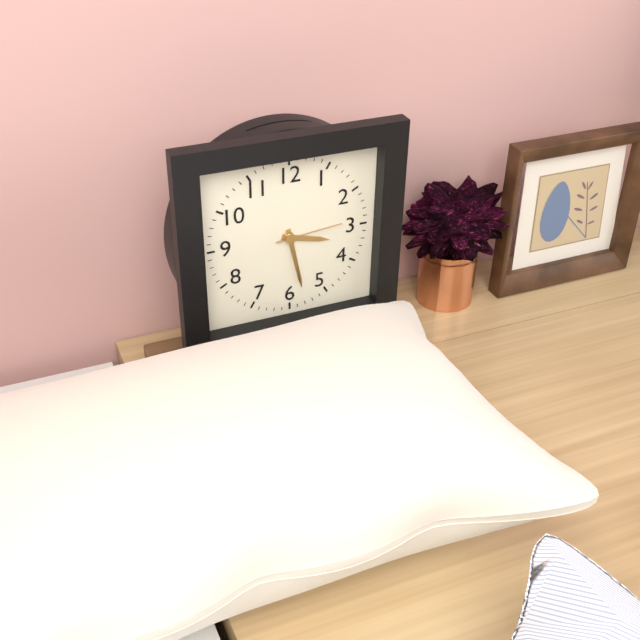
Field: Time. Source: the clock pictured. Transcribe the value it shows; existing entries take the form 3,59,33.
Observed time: 3,28,14
